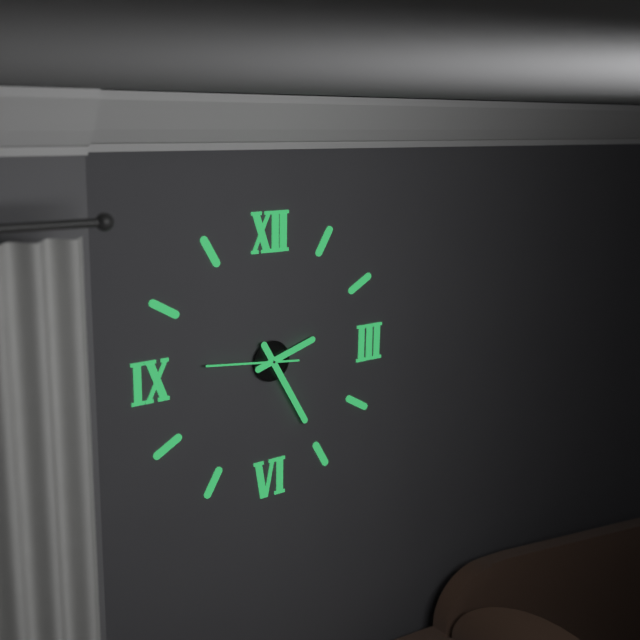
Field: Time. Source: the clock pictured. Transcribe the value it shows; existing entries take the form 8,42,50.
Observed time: 2,25,46
